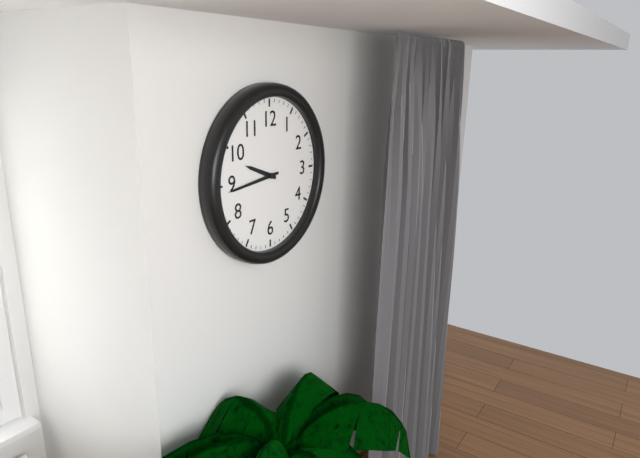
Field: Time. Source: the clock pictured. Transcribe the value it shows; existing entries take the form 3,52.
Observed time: 9,44
